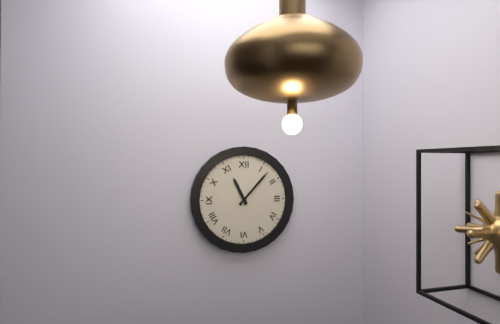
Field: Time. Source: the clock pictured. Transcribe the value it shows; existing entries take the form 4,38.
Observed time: 11,07
